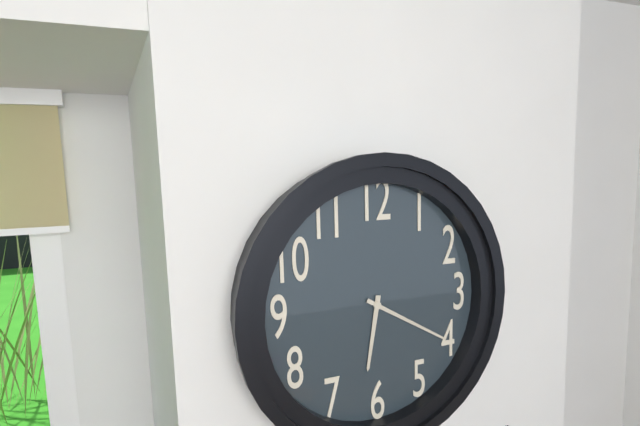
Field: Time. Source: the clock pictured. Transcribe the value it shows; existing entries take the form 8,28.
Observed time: 6,20
